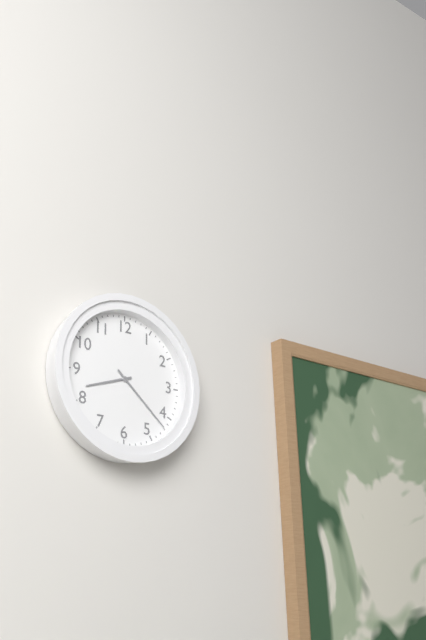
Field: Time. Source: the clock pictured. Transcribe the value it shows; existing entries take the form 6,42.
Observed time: 8,22
